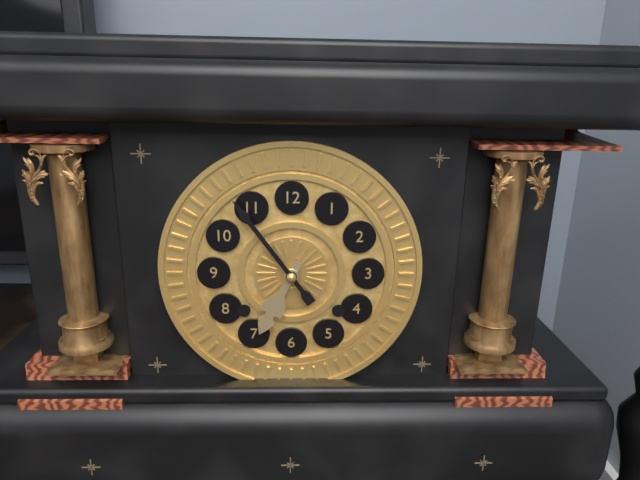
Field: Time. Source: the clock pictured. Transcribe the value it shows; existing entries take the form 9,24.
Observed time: 6,54
